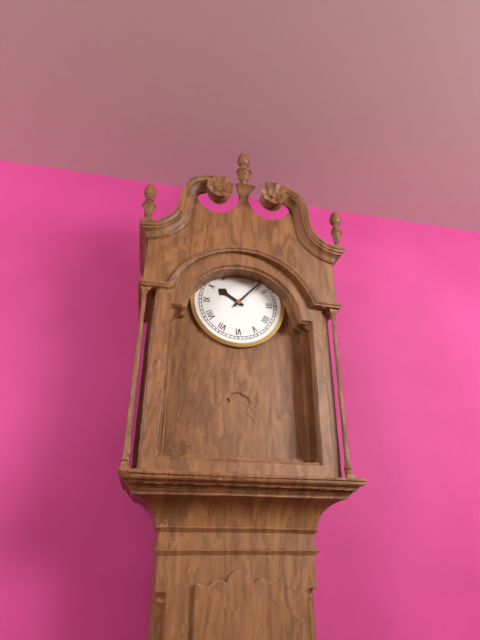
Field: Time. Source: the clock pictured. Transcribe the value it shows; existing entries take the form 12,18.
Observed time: 10,07
